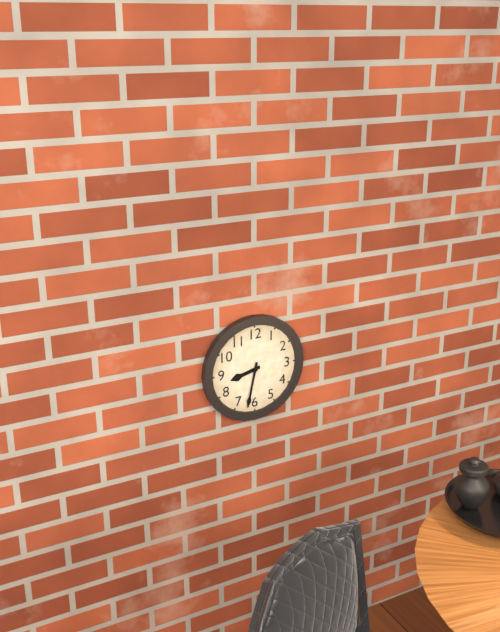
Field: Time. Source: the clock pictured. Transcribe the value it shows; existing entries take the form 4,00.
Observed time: 8,32
